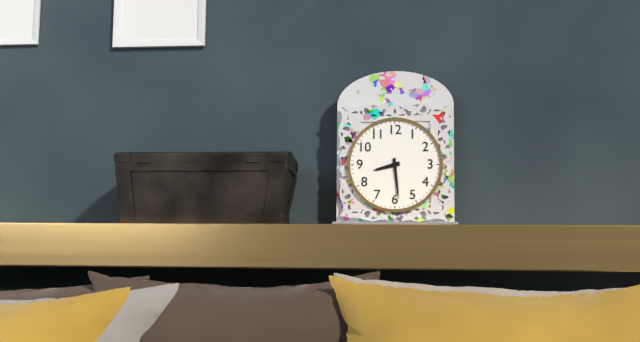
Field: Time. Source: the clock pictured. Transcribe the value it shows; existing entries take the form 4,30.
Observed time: 8,29
